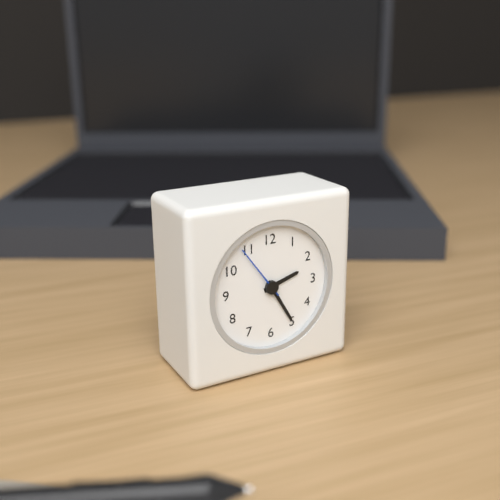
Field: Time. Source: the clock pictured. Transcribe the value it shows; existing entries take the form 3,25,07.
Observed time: 2,25,54
